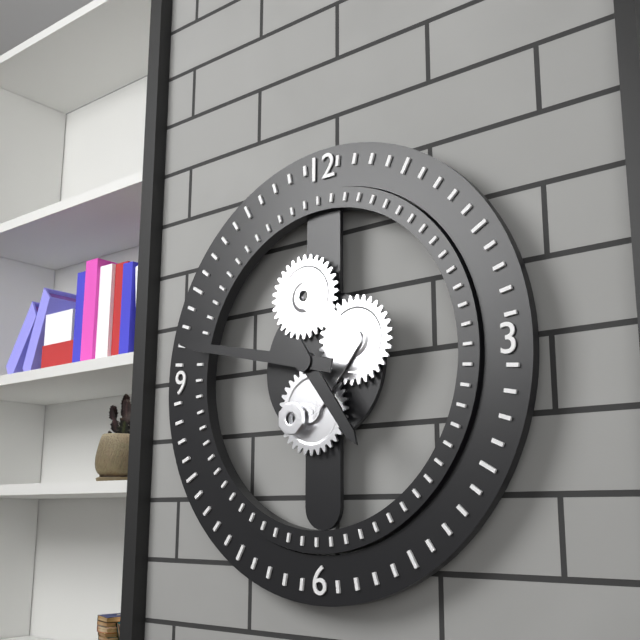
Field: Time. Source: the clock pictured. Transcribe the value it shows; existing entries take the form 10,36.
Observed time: 4,47
